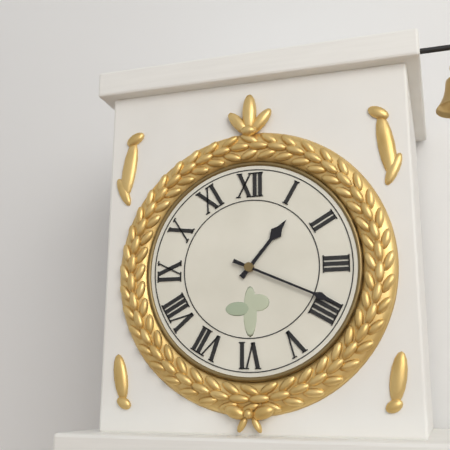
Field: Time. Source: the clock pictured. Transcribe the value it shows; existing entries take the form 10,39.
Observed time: 1,19
